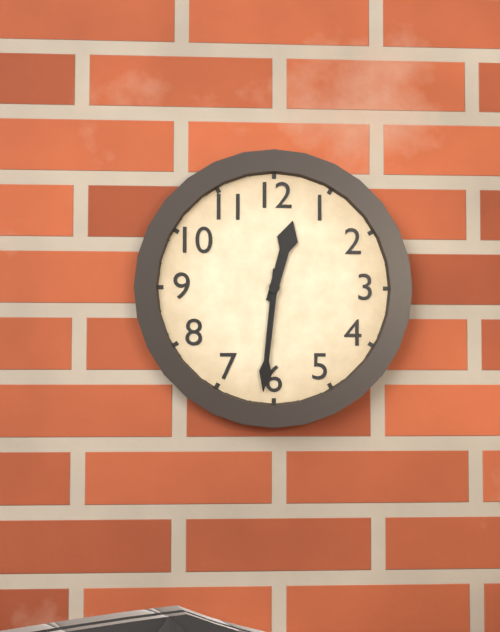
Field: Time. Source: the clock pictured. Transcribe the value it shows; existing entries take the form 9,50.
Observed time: 12,31
